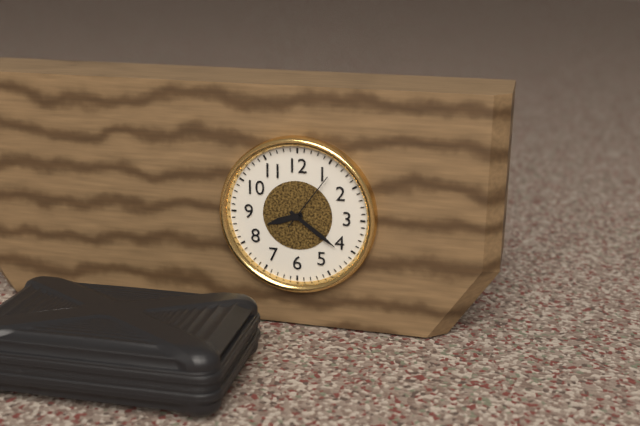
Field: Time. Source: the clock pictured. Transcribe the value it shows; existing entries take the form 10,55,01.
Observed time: 8,21,06
